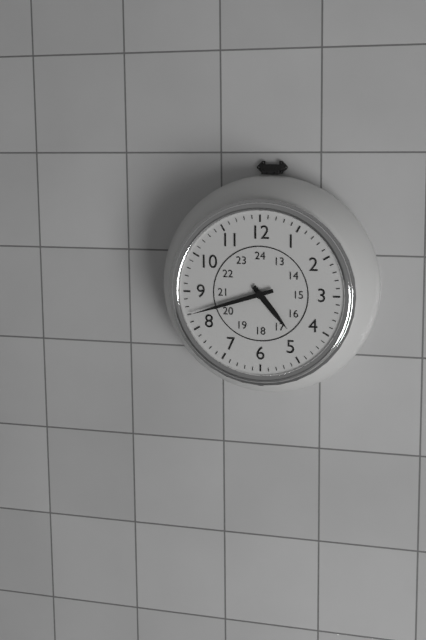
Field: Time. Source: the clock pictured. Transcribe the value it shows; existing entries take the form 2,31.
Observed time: 4,42
